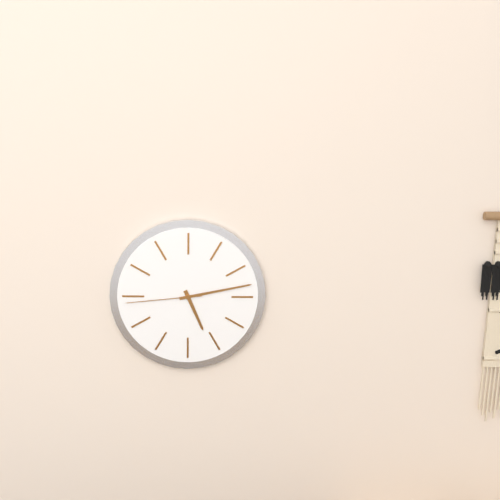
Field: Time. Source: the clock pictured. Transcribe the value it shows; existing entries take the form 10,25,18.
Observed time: 5,13,44
